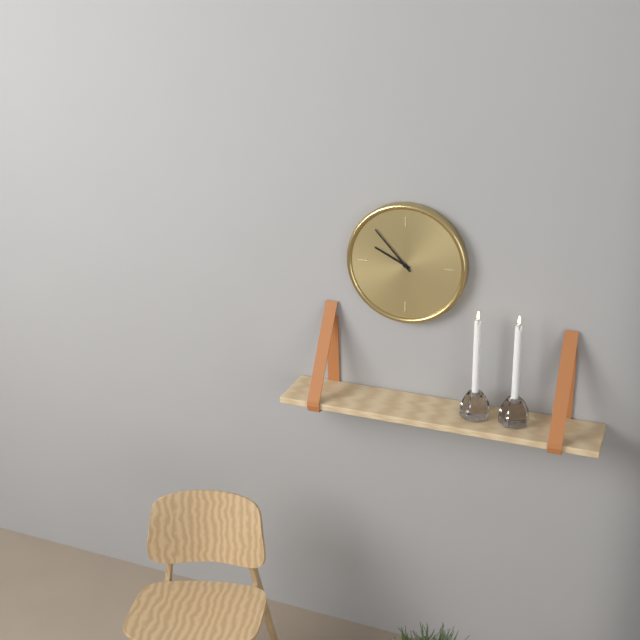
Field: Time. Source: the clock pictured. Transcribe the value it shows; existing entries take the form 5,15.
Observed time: 9,53
